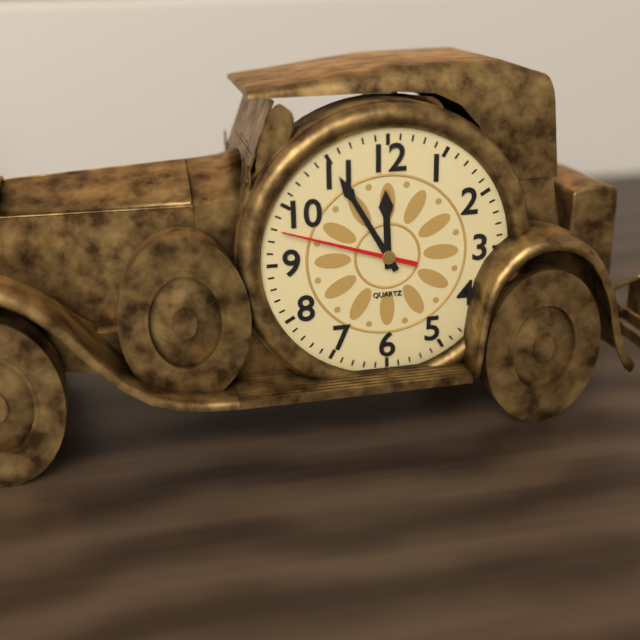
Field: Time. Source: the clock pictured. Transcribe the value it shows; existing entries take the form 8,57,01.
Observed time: 11,55,48
